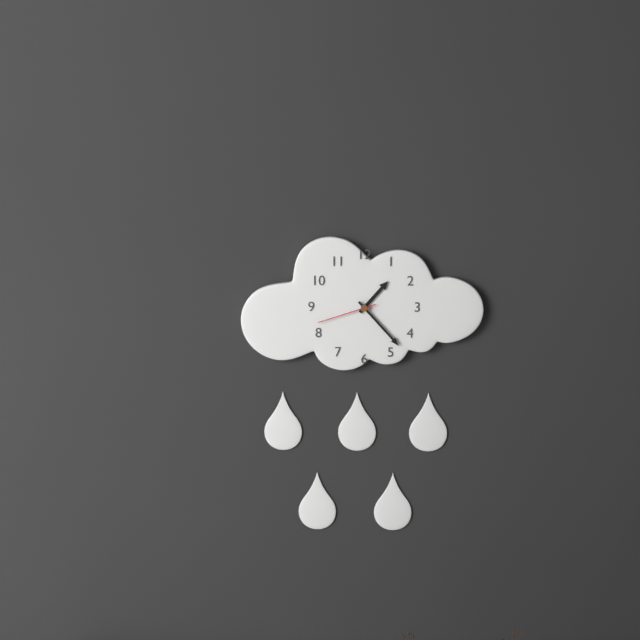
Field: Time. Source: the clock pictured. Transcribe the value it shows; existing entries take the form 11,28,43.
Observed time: 1,23,42
